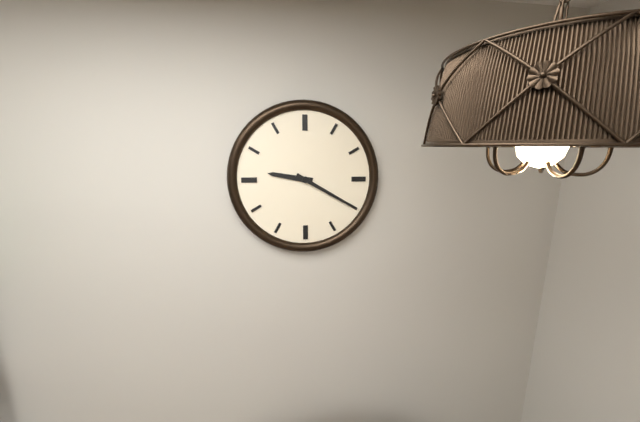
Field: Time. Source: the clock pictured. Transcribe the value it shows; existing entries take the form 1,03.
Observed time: 9,20
